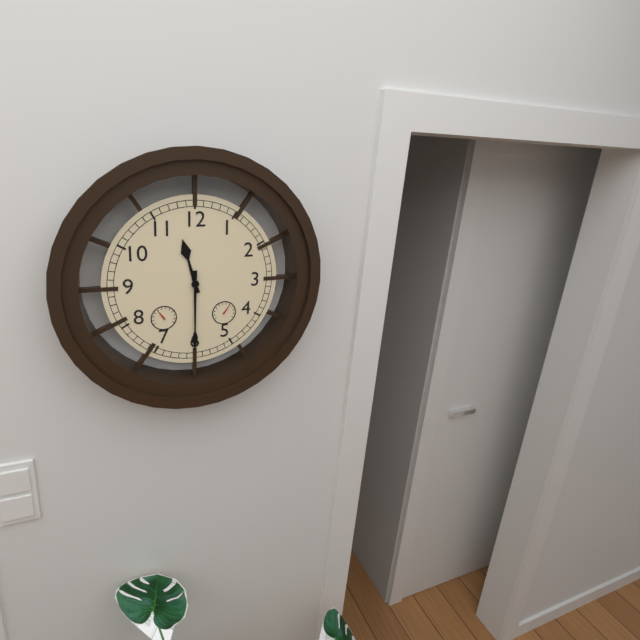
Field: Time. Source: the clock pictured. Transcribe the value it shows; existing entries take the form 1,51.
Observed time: 11,30
